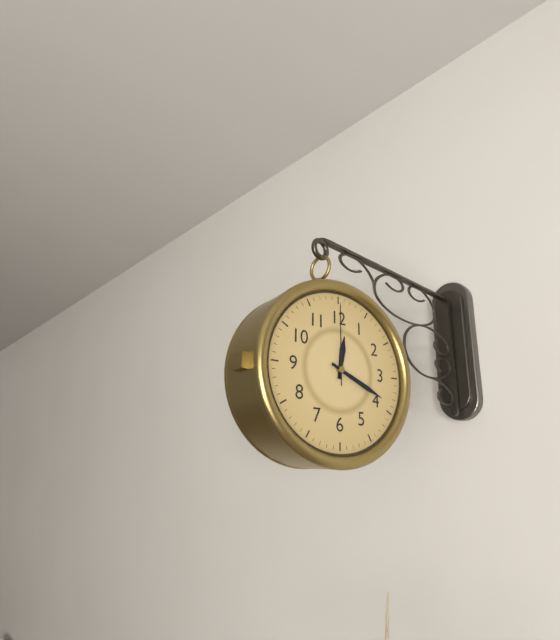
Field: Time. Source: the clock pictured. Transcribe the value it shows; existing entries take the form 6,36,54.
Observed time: 12,19,00
